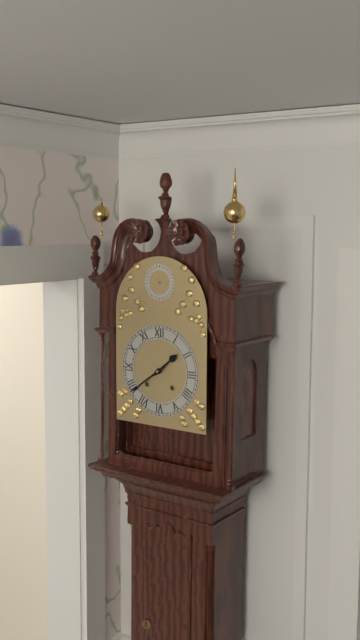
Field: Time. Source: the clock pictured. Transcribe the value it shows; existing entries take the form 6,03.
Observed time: 1,39
